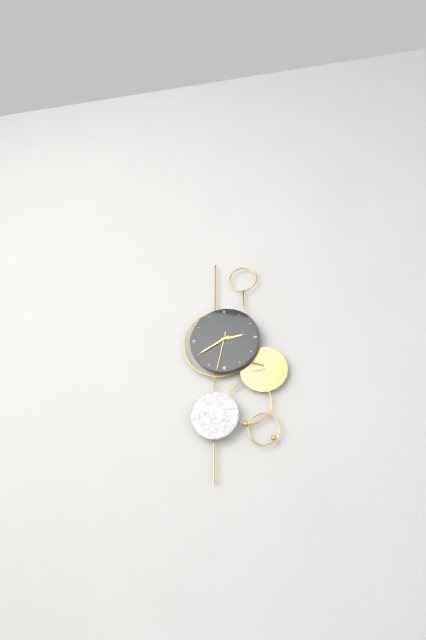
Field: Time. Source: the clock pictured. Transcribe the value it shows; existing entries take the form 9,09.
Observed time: 2,40
